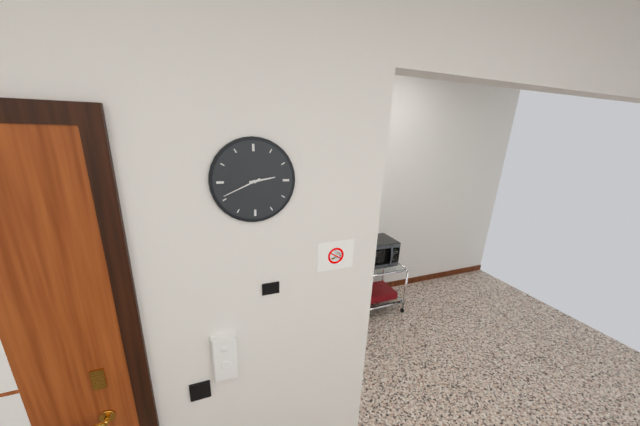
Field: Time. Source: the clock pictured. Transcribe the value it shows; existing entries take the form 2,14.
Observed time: 2,41
